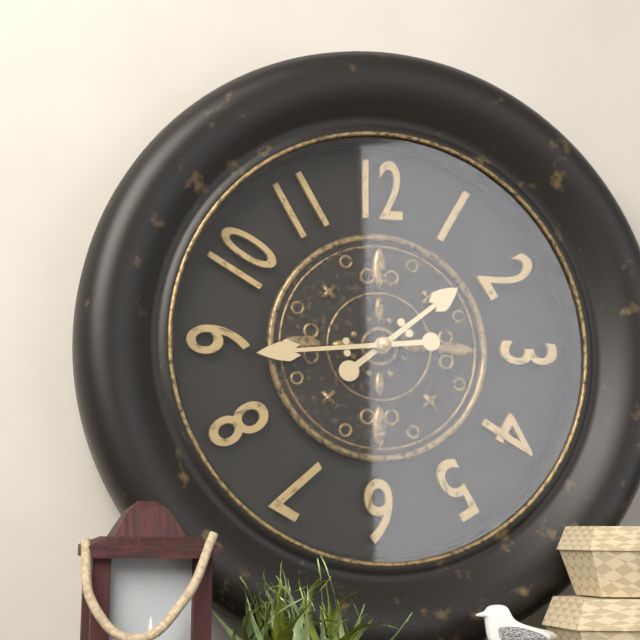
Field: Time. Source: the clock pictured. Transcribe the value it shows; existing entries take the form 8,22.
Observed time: 1,44
